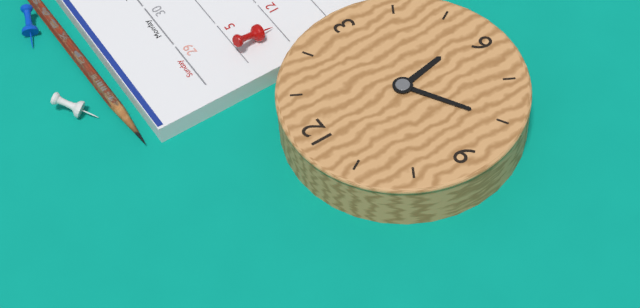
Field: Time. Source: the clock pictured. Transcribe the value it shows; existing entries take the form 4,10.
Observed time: 5,40
